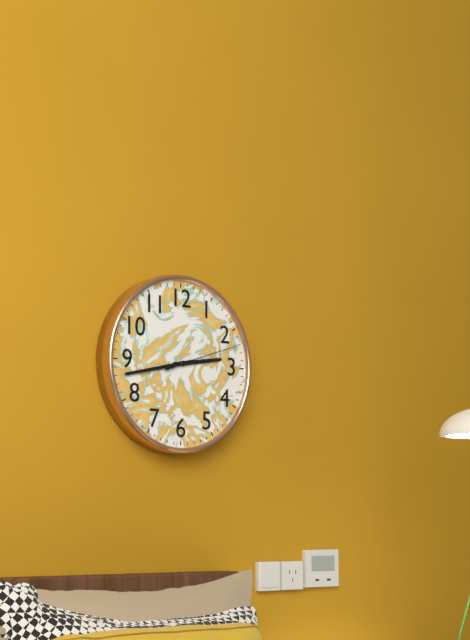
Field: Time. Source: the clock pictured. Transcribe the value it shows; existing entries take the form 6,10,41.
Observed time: 2,43,12
